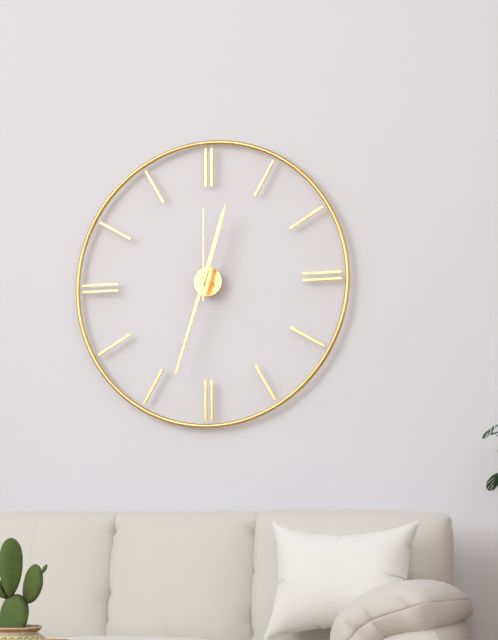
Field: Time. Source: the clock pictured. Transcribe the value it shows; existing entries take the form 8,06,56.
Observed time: 12,33,00
